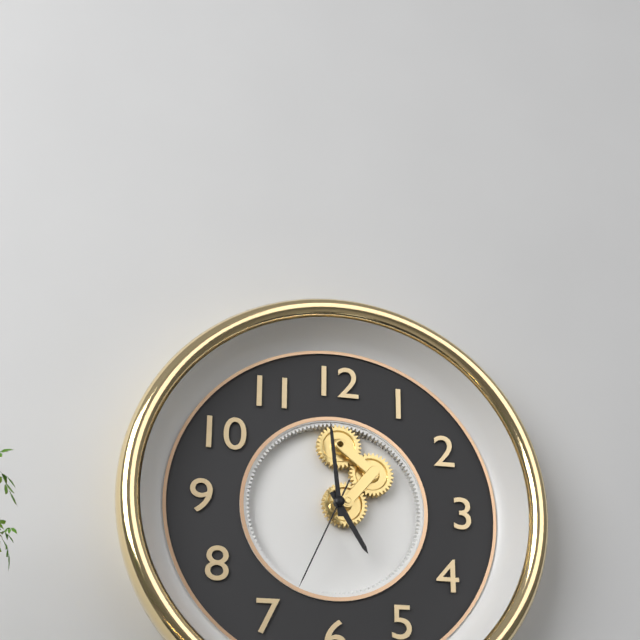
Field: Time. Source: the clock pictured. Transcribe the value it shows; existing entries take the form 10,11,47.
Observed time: 4,59,34
